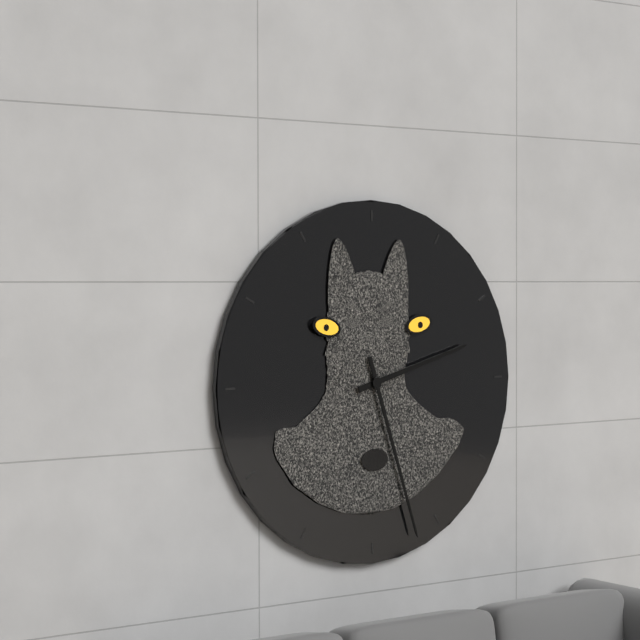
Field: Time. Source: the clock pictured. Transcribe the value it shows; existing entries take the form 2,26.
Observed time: 2,27
